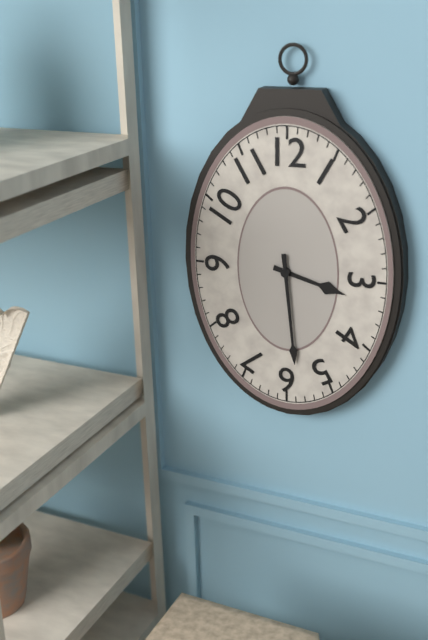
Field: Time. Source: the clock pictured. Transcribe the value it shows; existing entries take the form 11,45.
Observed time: 3,29
